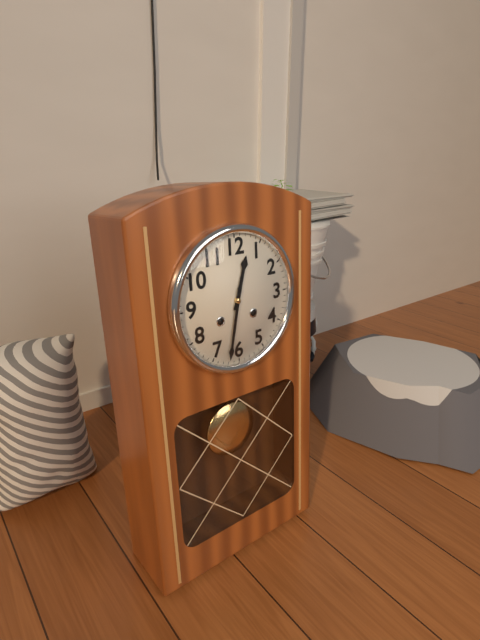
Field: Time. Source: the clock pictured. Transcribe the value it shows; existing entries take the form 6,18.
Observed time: 12,32
